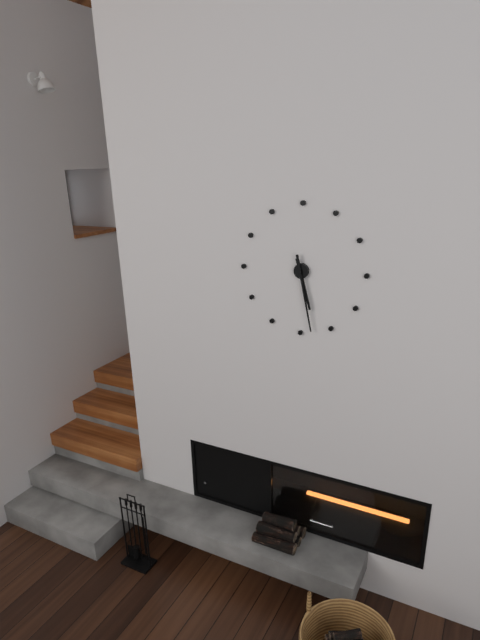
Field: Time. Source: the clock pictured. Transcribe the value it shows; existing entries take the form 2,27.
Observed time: 5,28
